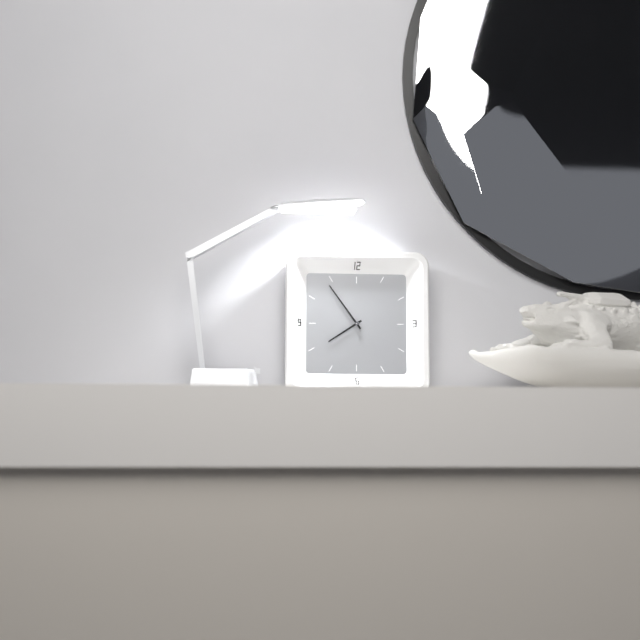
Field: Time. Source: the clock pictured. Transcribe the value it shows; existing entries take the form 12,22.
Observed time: 7,54
